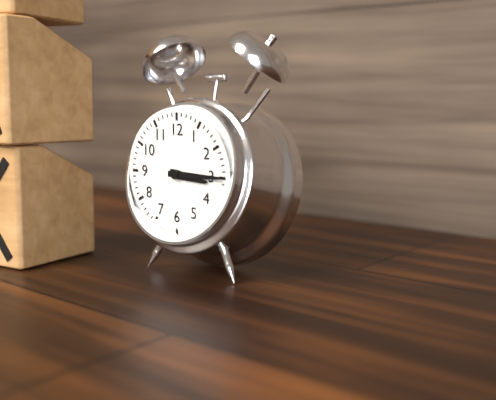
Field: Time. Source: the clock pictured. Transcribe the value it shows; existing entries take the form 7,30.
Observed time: 3,15
